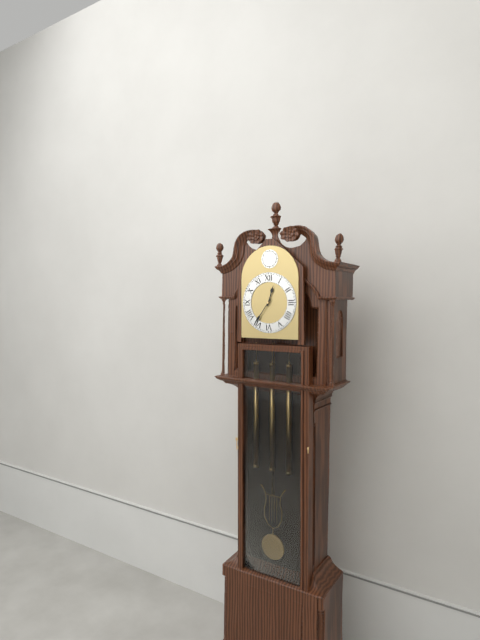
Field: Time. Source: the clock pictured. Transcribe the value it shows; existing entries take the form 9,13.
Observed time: 12,36
